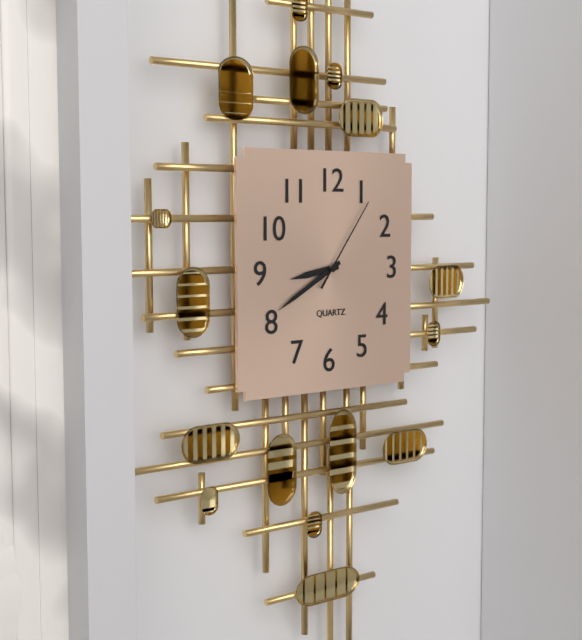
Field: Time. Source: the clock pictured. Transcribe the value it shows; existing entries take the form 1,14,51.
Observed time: 8,40,06
